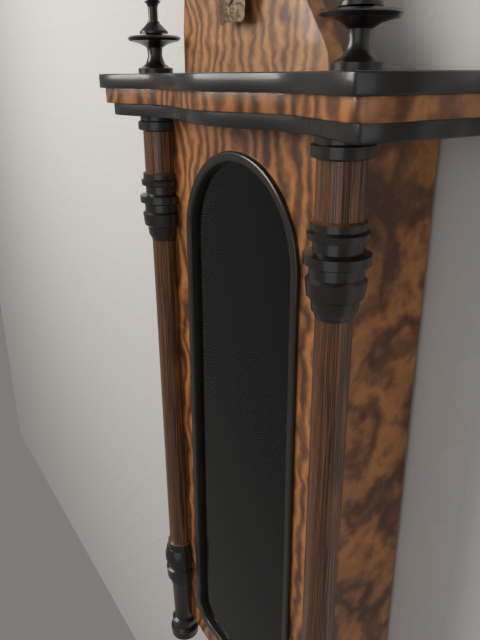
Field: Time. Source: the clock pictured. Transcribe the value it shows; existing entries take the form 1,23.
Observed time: 7,28
